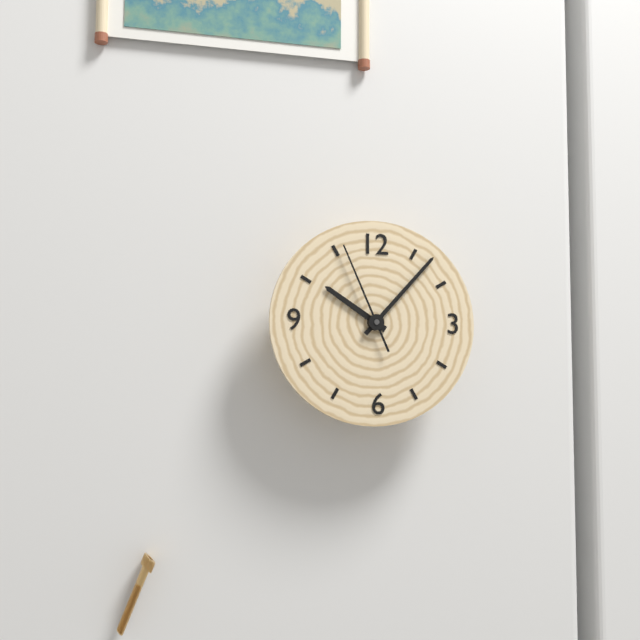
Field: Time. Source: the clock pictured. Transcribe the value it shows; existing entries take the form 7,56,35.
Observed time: 10,07,56
